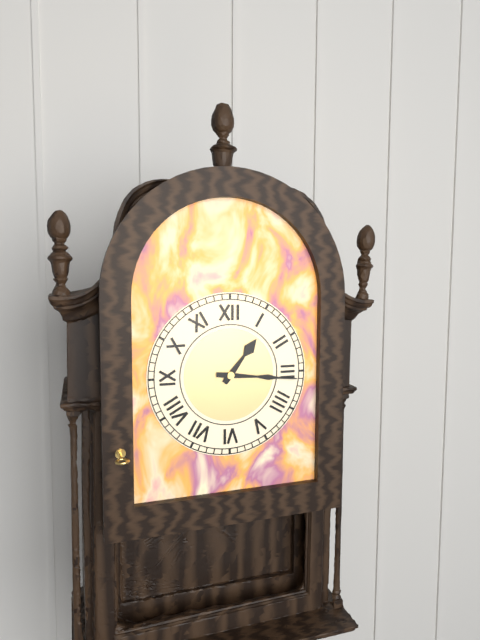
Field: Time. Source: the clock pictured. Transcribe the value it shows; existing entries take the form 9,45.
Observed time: 1,16
